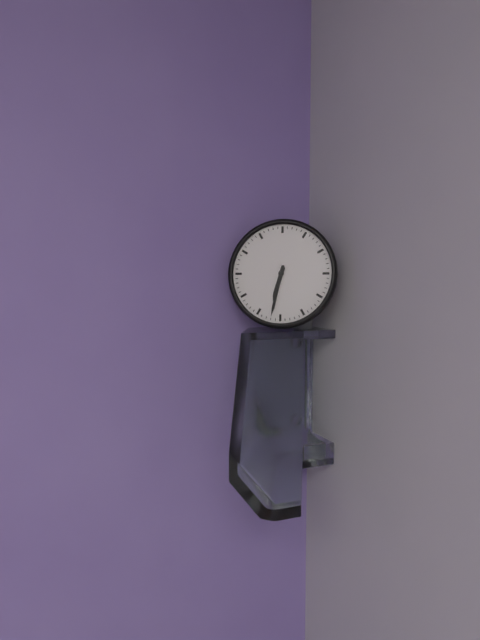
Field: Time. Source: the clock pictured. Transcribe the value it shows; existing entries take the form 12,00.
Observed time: 6,32
